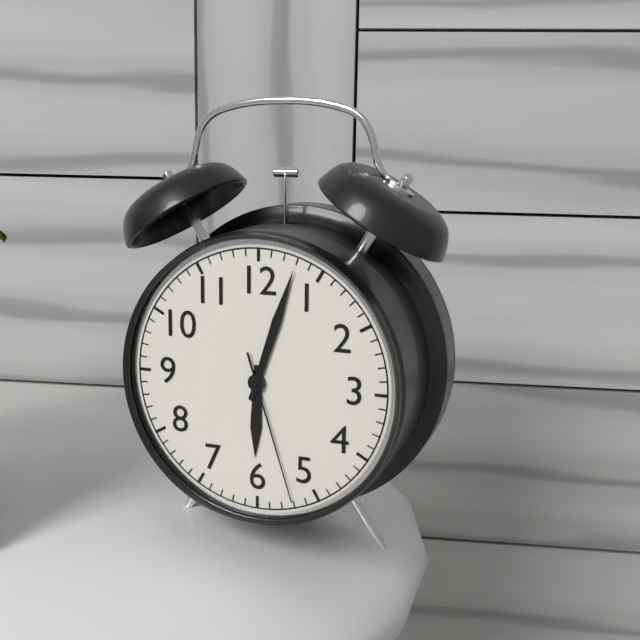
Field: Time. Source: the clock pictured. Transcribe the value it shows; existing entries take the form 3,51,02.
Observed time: 6,03,27
